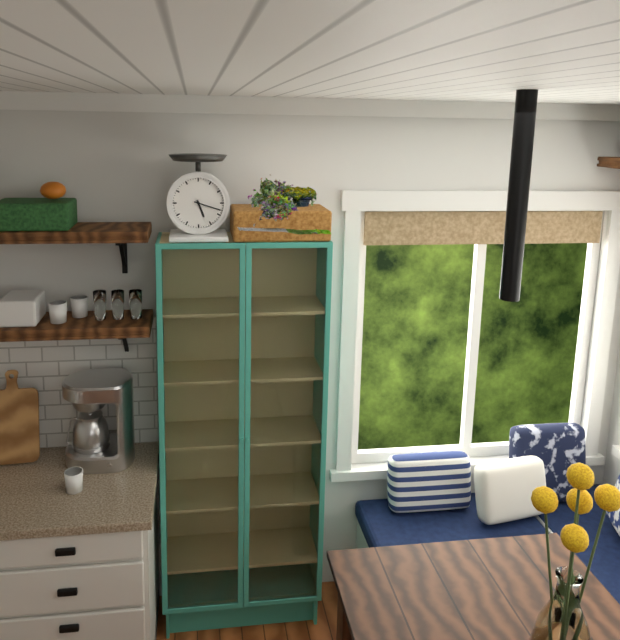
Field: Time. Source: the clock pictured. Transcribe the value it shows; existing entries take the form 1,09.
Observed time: 5,18
